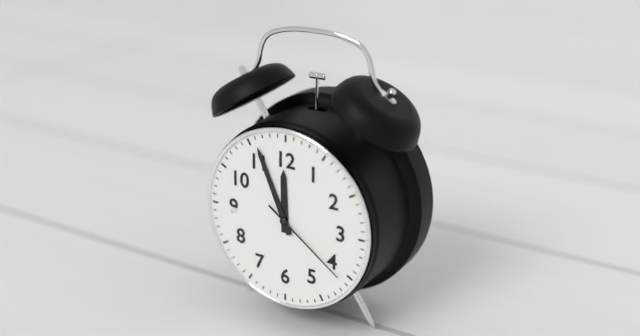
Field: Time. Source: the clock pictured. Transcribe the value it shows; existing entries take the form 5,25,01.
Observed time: 11,56,21
